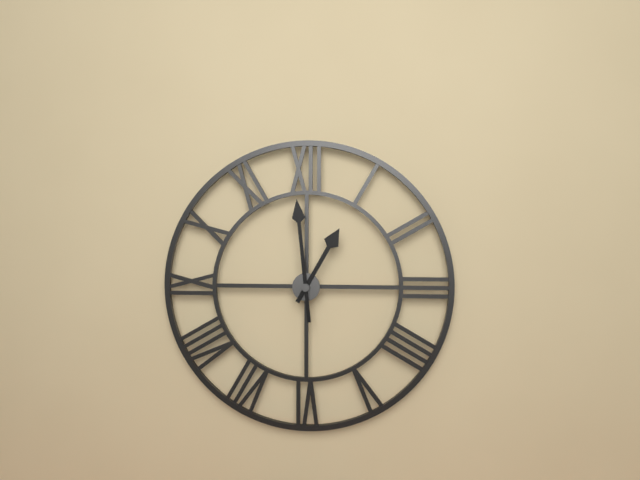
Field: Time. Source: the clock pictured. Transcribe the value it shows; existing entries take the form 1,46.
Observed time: 12,59
